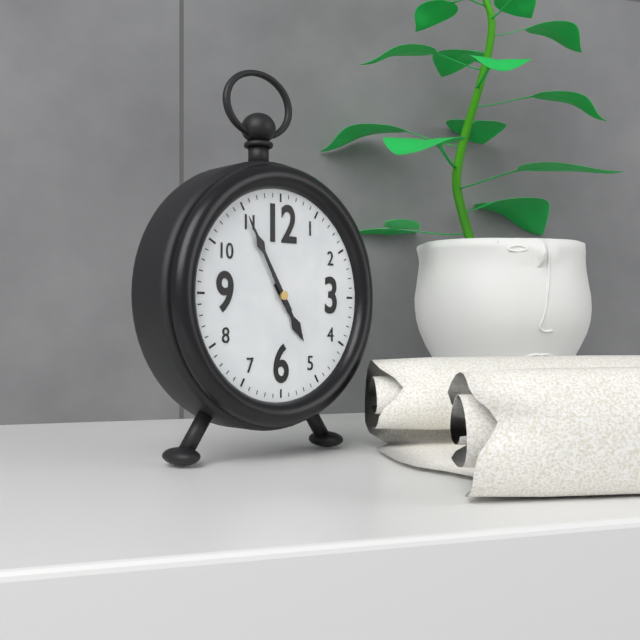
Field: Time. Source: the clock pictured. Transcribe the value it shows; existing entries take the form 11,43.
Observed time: 4,55
